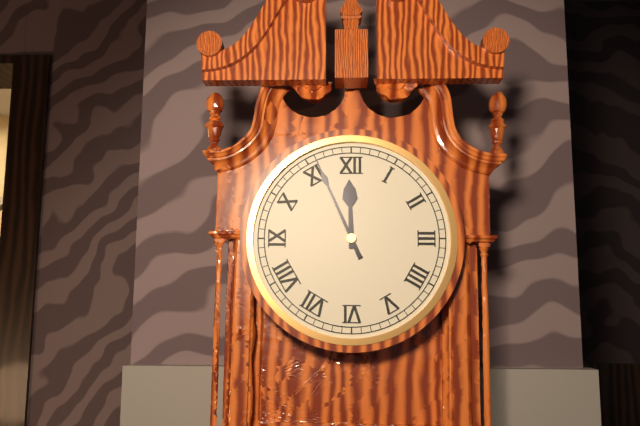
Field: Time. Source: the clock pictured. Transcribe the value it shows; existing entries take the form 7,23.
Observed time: 11,56
